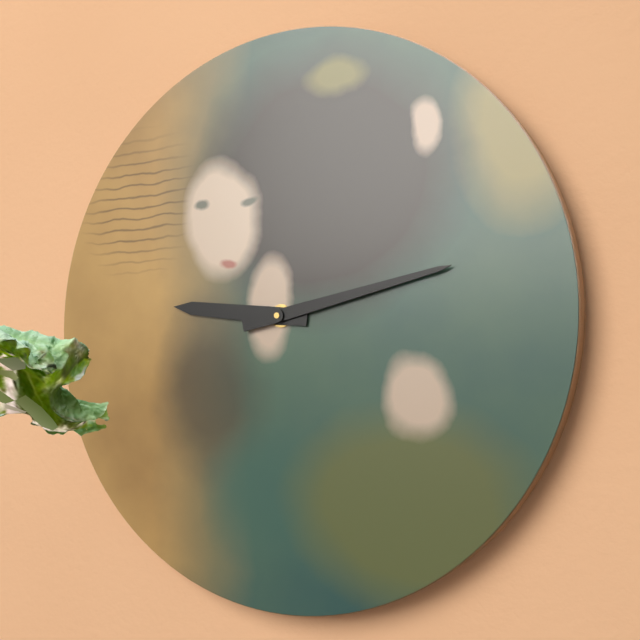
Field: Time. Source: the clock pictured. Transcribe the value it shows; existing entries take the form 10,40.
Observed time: 9,13
